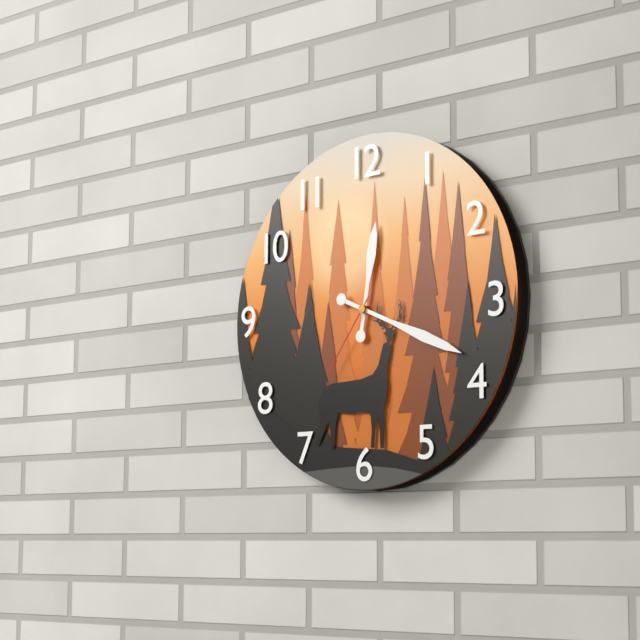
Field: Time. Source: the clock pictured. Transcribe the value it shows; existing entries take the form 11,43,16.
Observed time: 12,19,36
